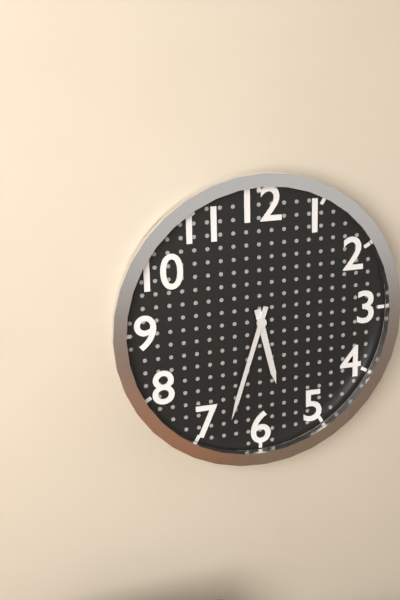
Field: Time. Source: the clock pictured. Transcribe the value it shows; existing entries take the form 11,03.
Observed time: 5,33
